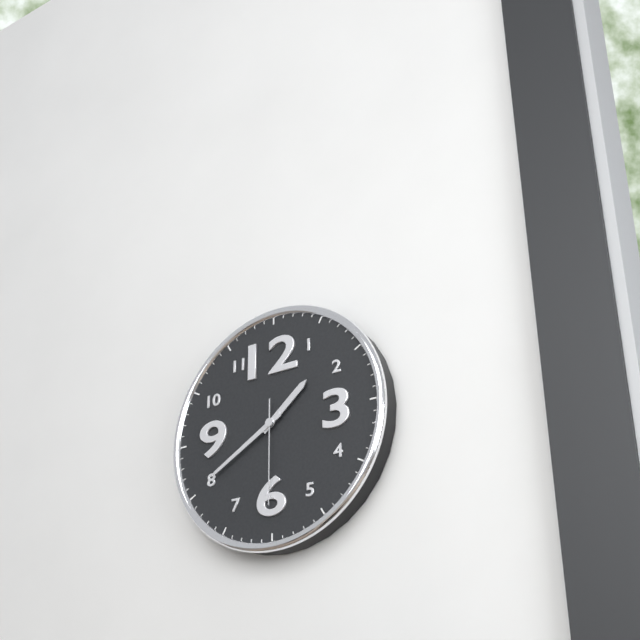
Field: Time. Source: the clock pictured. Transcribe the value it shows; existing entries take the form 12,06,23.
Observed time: 1,40,30
